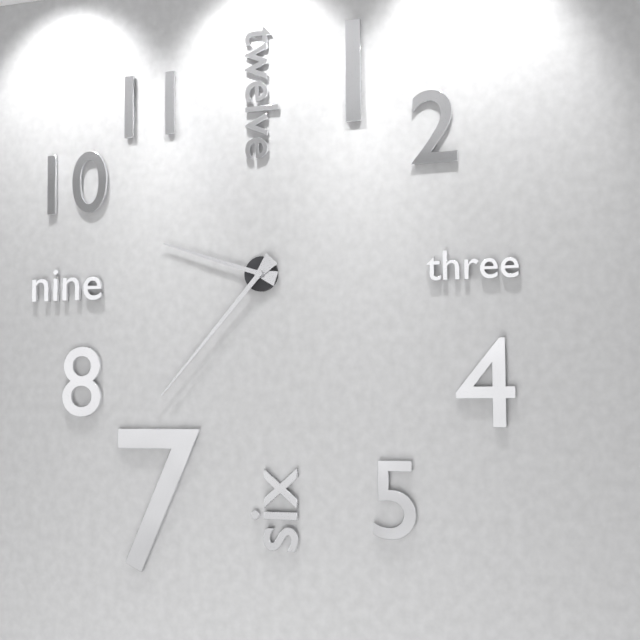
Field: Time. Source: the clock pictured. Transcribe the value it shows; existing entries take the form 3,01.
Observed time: 9,37
